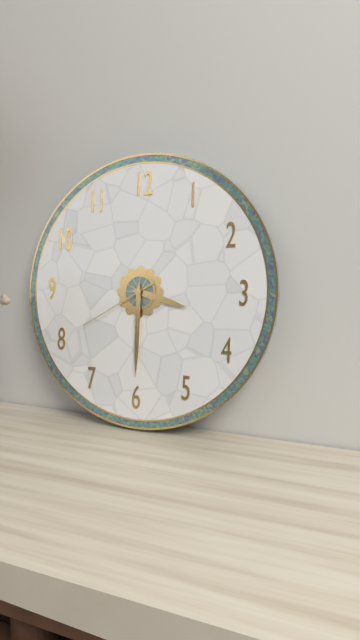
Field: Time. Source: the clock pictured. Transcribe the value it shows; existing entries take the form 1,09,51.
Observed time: 3,30,40
